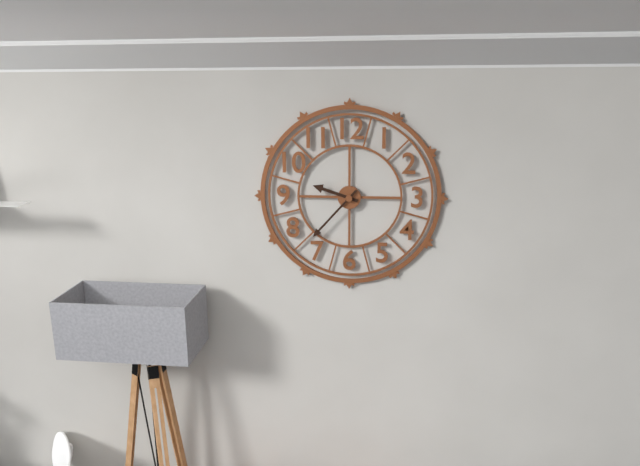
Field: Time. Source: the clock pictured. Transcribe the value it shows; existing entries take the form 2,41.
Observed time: 9,37
